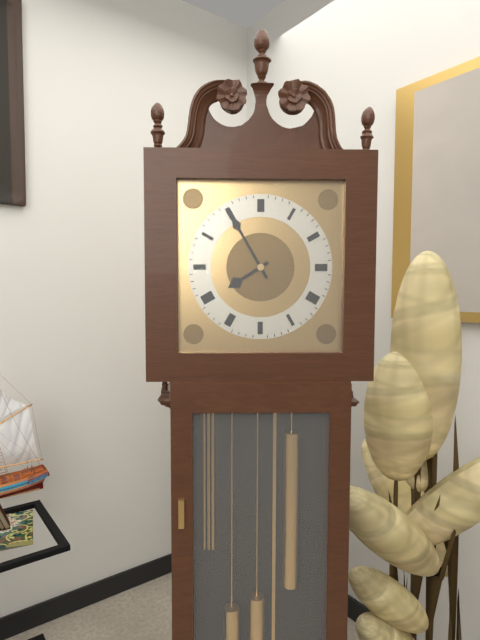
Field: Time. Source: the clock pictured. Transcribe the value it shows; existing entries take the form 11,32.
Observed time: 7,55
